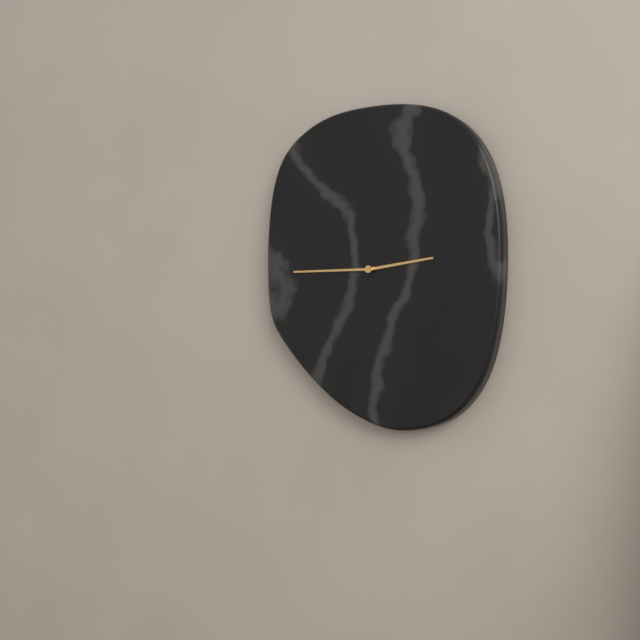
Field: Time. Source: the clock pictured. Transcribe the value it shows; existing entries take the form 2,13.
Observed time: 2,45
